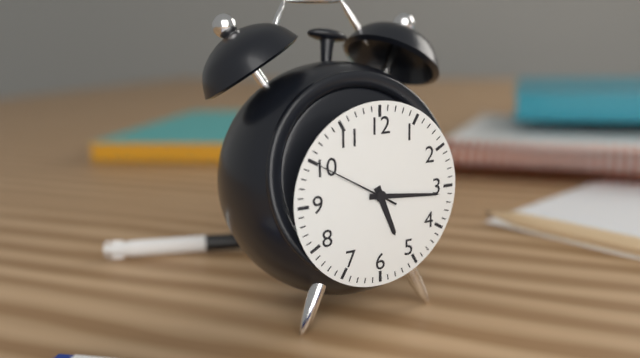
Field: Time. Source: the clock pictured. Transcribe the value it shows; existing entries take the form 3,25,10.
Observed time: 5,16,50
